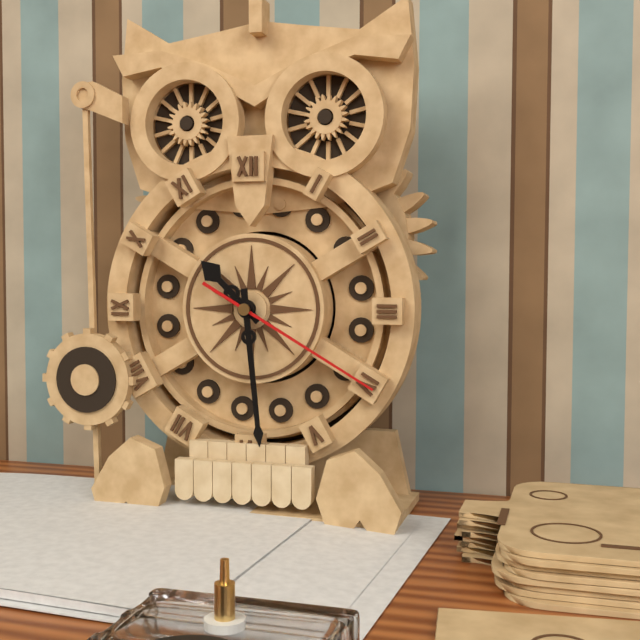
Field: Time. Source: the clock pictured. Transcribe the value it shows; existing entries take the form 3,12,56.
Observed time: 10,29,20
